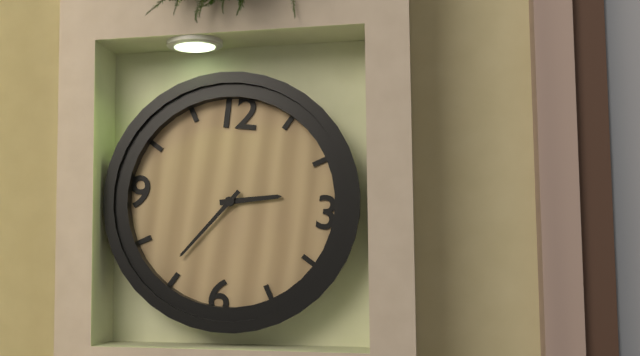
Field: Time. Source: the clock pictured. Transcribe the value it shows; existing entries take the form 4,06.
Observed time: 2,36
